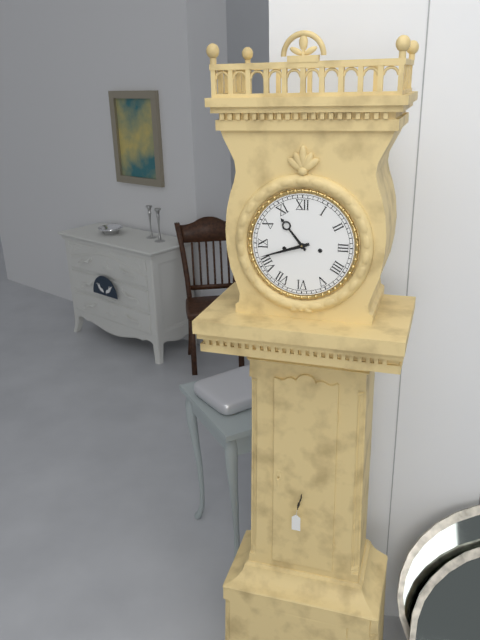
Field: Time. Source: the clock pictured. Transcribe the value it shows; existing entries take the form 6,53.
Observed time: 10,42
